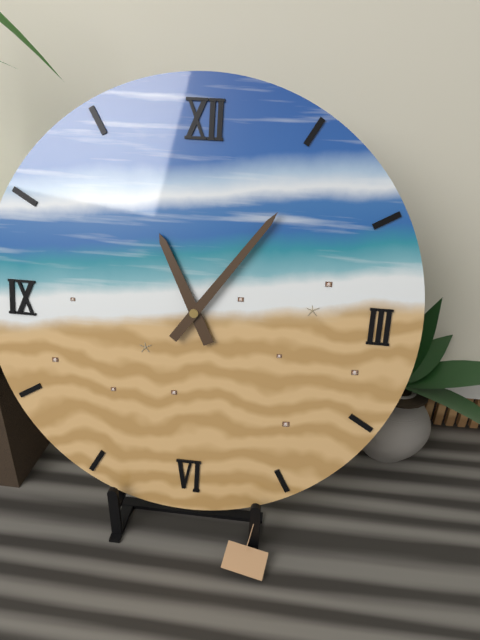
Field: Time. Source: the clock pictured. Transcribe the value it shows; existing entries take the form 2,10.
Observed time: 11,06
